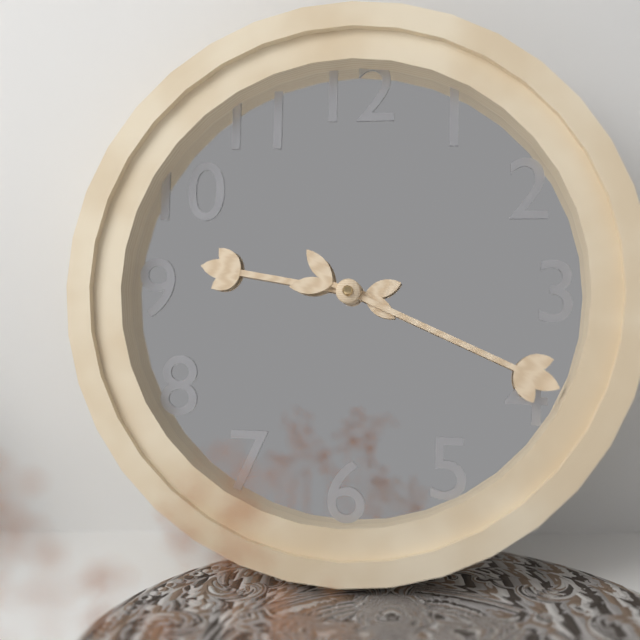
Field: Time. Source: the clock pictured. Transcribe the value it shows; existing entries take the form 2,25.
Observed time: 9,19
